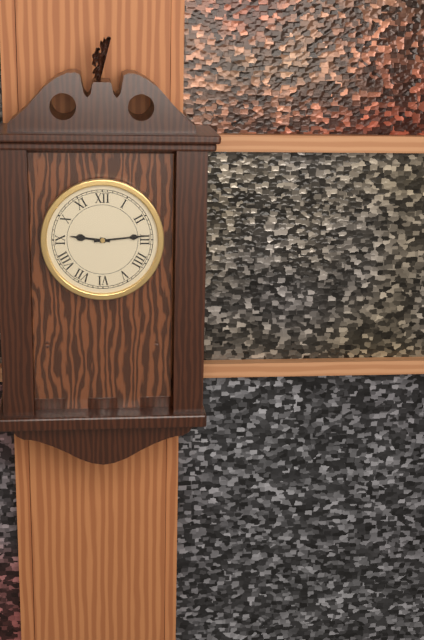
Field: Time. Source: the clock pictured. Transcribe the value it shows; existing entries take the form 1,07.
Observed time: 9,14
